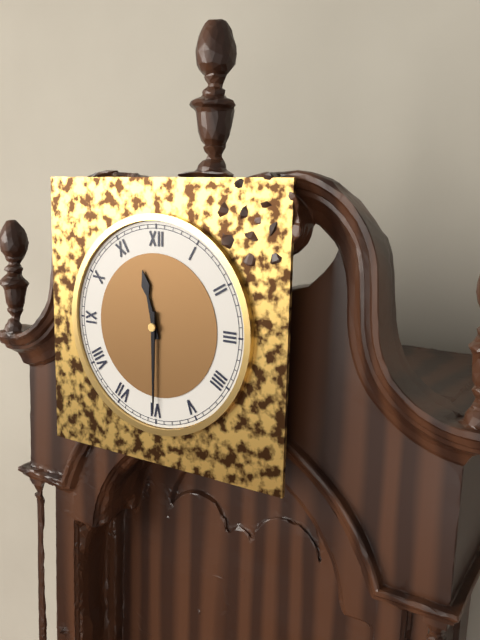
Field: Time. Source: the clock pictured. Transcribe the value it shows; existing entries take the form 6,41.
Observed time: 11,30
